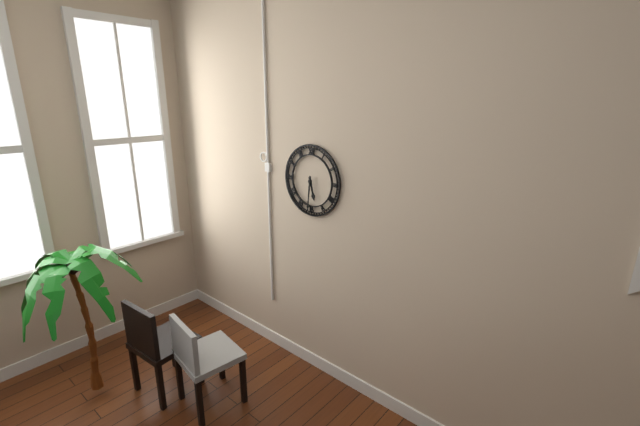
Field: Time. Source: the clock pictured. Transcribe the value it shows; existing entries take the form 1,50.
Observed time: 5,31
